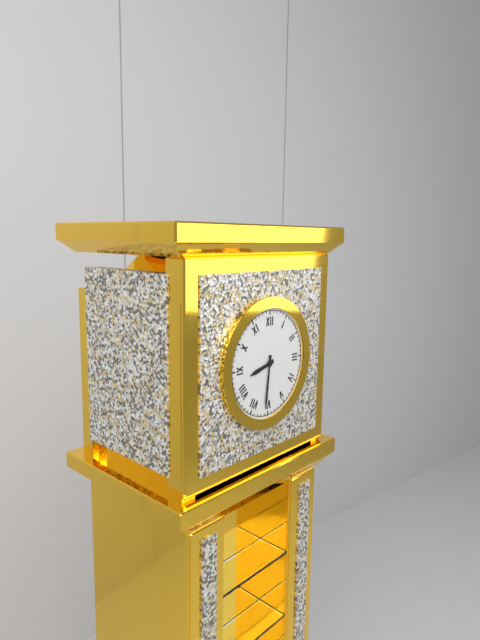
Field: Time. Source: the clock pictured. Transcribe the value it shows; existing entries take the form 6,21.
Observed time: 8,31
